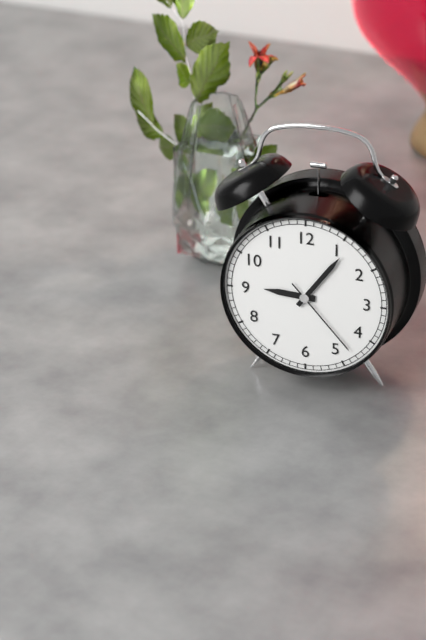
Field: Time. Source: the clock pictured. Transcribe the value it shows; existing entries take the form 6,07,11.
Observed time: 9,06,23
